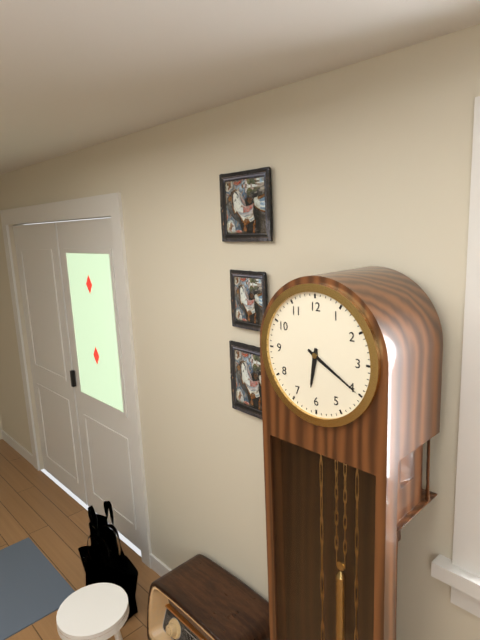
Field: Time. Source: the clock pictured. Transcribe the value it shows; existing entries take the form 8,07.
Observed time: 6,20
